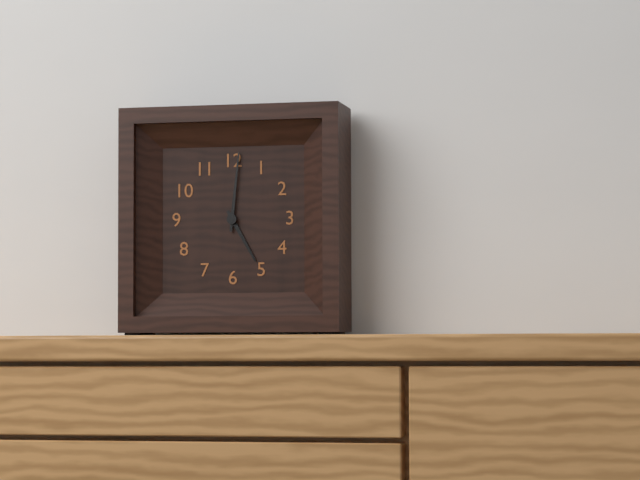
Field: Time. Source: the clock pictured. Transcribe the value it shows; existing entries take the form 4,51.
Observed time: 5,01
